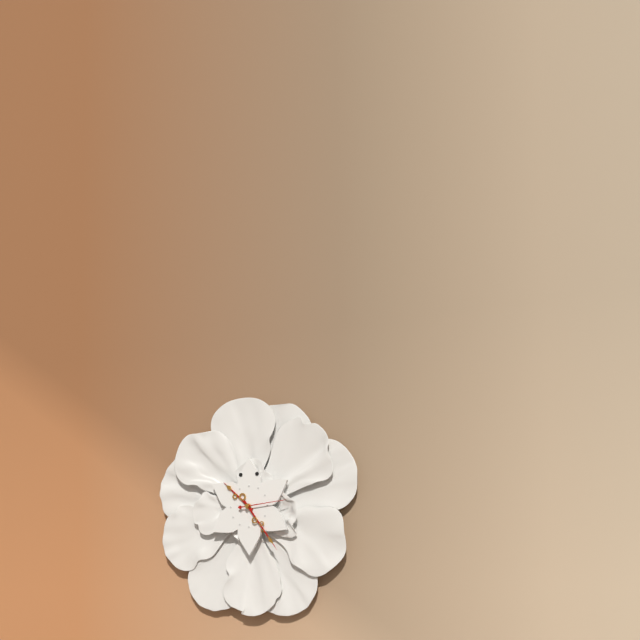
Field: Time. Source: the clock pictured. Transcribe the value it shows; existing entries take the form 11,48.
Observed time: 10,24
